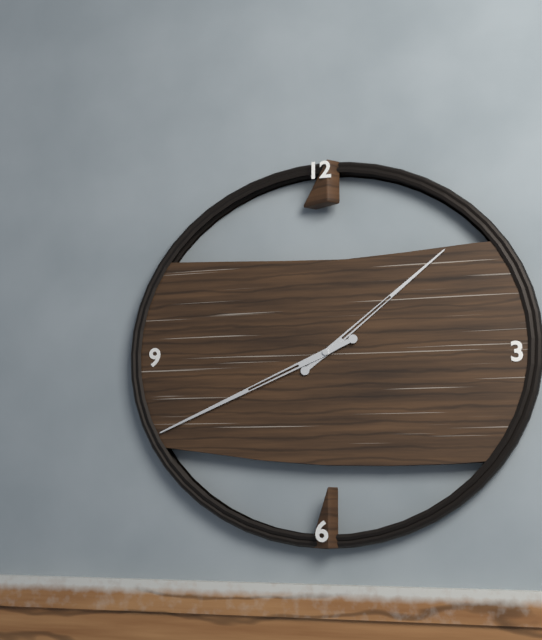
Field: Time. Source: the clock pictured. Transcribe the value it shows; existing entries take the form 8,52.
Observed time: 1,41
